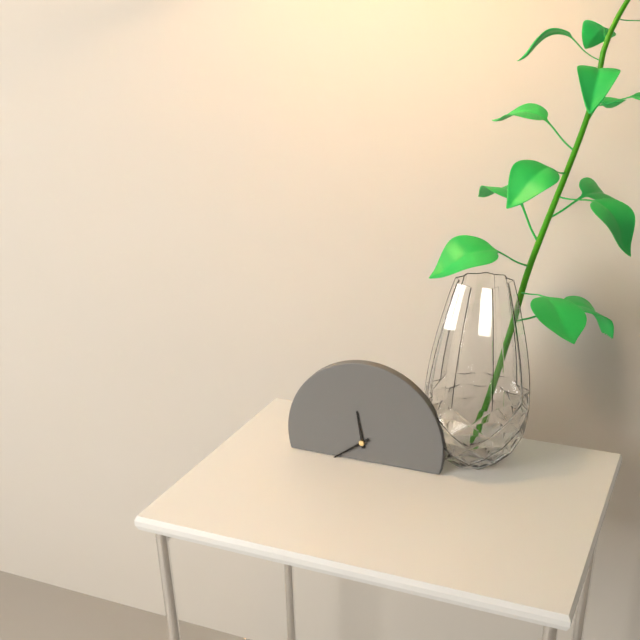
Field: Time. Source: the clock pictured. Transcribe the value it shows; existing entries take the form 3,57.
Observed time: 11,39
